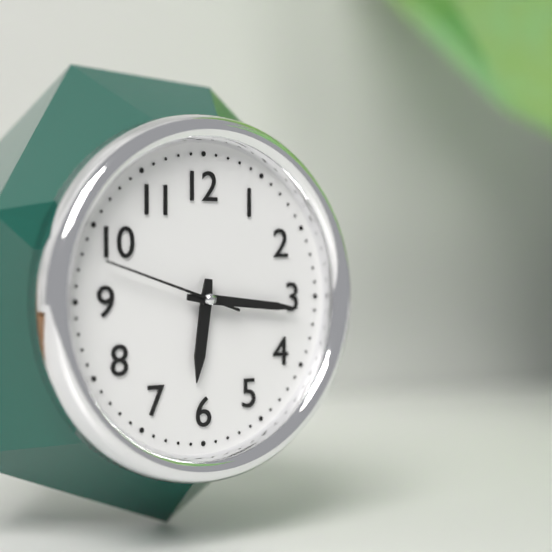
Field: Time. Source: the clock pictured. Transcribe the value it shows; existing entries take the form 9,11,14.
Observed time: 6,16,48
